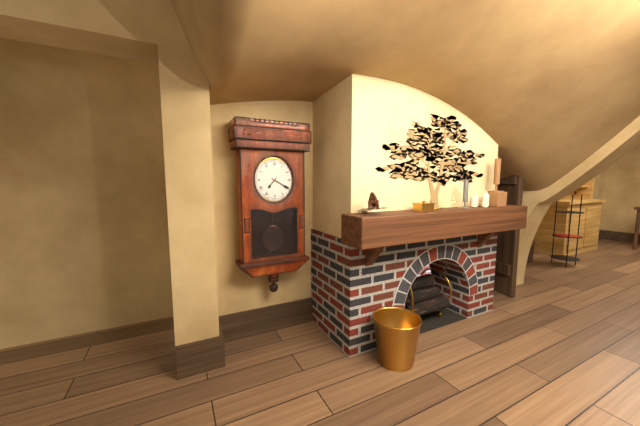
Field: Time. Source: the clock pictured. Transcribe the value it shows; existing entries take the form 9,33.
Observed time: 7,20
